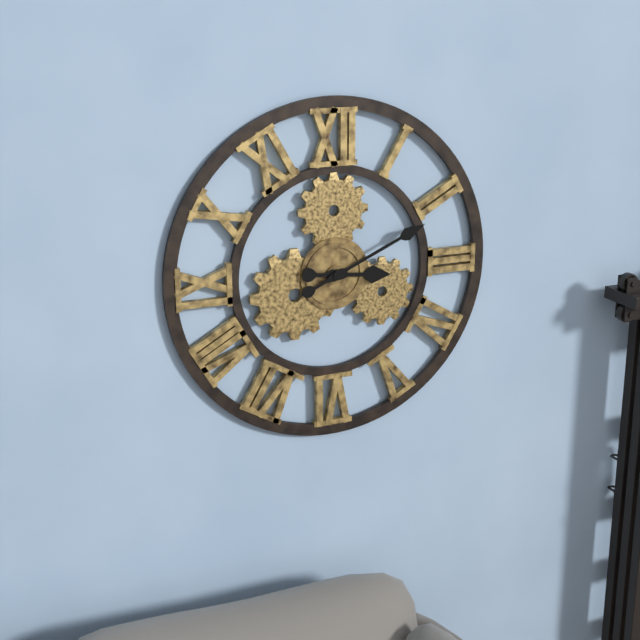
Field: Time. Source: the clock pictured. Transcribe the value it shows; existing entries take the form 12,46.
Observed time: 3,11
